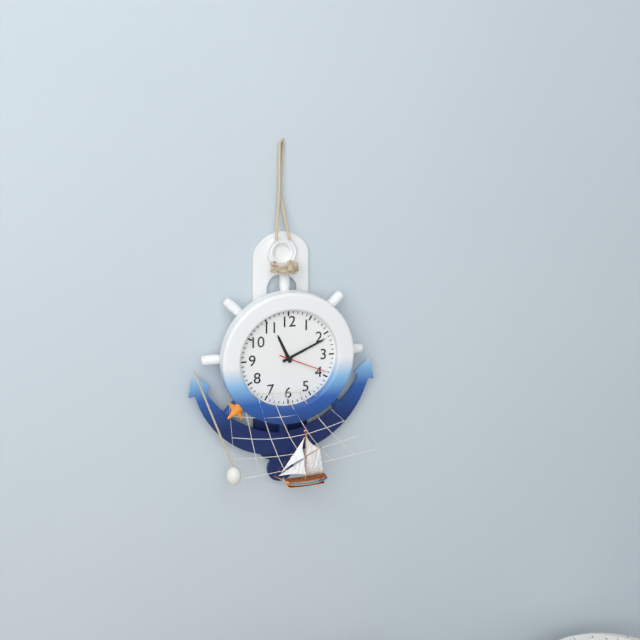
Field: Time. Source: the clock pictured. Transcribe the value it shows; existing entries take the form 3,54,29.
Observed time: 11,11,19
